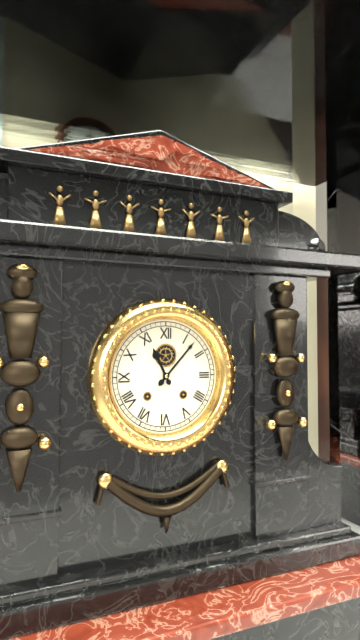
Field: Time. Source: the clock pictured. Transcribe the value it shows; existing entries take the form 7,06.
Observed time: 11,07
